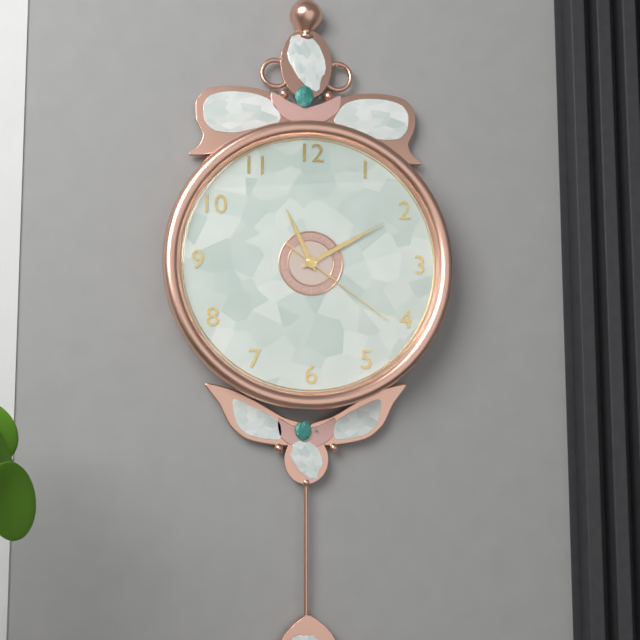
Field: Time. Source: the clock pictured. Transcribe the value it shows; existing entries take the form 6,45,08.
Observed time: 11,10,21
